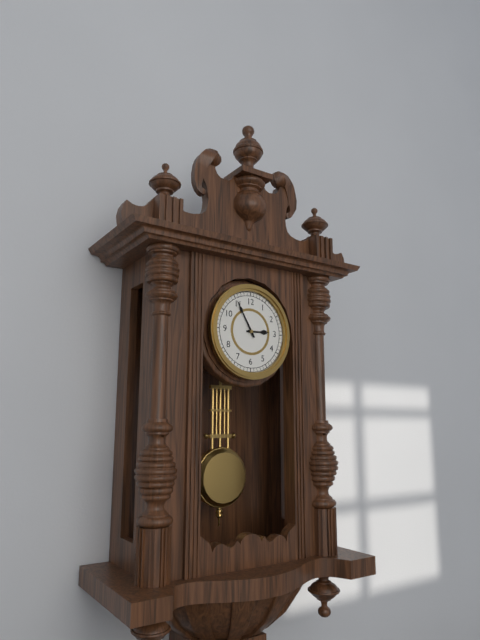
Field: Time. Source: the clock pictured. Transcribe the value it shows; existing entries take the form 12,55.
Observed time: 2,55
